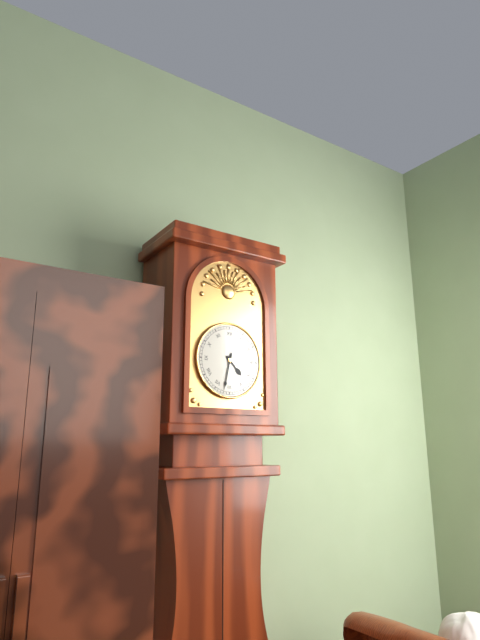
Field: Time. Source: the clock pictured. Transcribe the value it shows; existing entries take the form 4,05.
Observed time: 4,32
